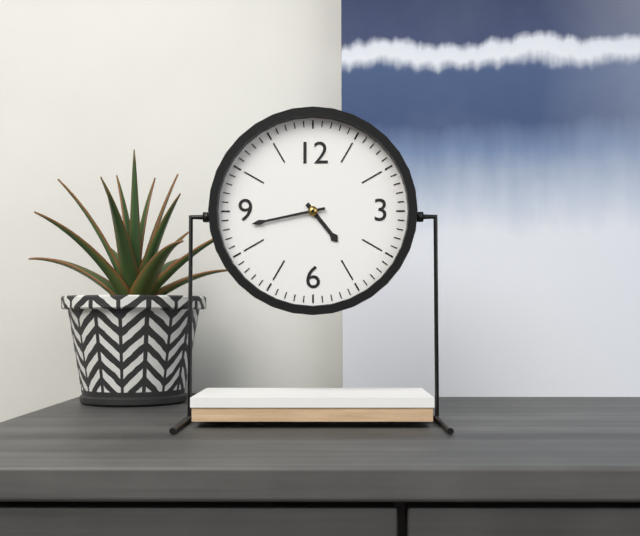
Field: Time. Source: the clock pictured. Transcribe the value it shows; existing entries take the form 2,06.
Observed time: 4,43
